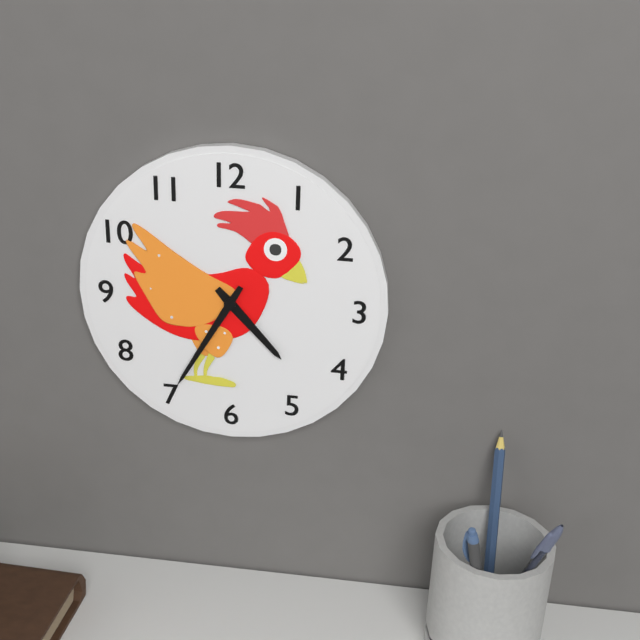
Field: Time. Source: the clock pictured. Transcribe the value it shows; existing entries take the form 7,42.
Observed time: 4,35
